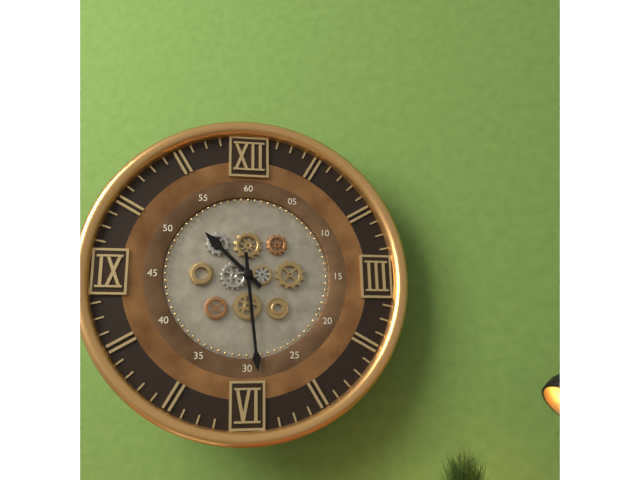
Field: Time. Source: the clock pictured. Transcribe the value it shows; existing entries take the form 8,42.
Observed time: 10,29
